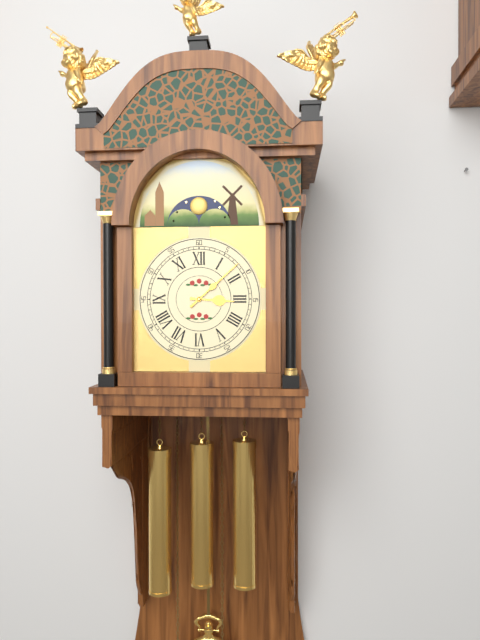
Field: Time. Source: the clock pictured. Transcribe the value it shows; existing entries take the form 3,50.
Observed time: 3,08
